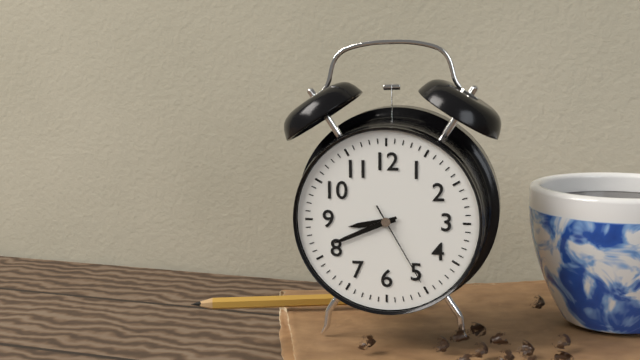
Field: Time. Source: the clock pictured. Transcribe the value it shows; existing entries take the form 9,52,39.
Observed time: 8,41,25
